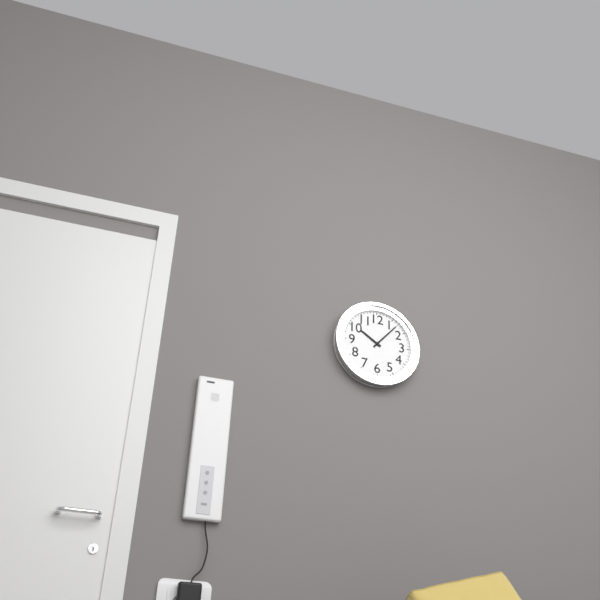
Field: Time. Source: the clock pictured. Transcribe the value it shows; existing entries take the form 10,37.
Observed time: 10,07
